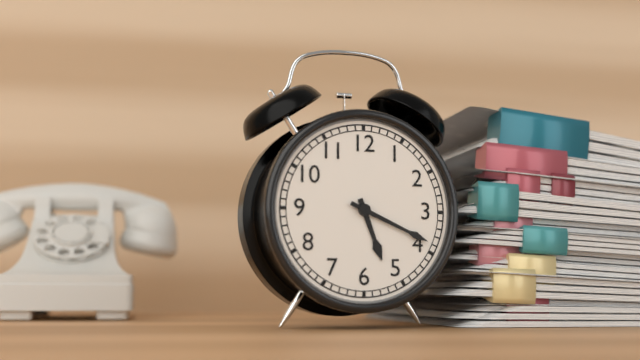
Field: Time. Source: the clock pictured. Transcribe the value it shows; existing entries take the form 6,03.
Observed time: 5,19
